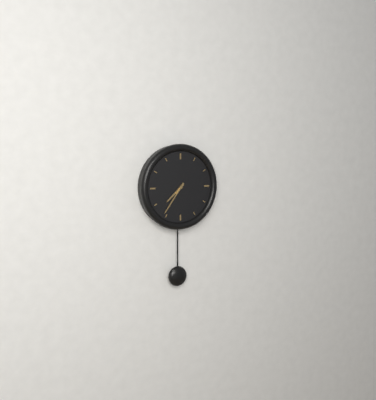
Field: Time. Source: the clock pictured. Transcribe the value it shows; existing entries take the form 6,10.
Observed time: 7,36
